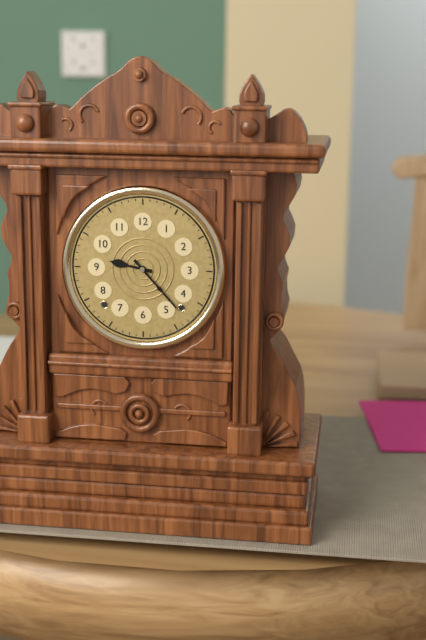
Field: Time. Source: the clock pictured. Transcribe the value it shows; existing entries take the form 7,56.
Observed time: 9,23
